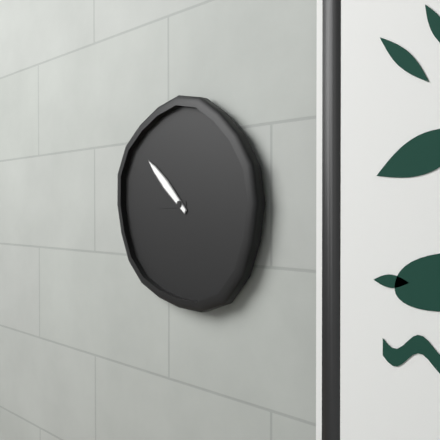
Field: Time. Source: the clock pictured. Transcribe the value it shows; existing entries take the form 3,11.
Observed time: 8,52
